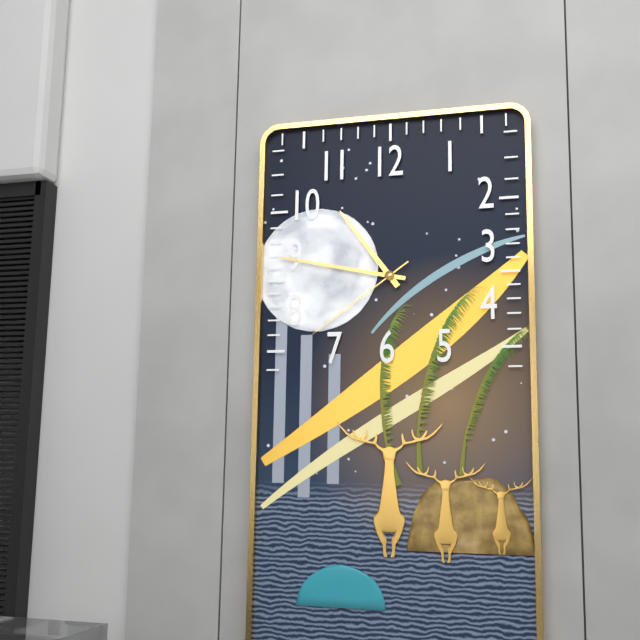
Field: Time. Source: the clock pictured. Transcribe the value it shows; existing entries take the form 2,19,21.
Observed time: 10,47,39
